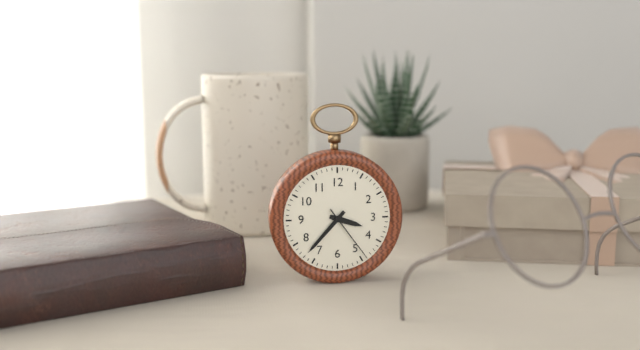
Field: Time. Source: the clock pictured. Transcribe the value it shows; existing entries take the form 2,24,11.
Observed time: 3,37,24
